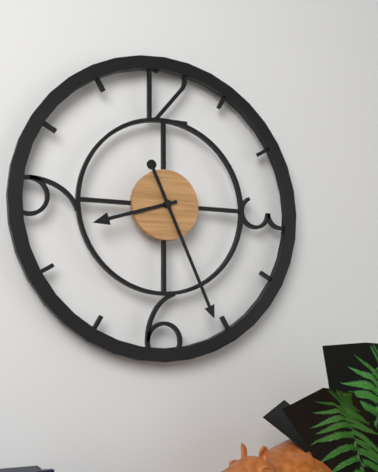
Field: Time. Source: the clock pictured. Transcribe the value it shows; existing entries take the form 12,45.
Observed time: 8,26
